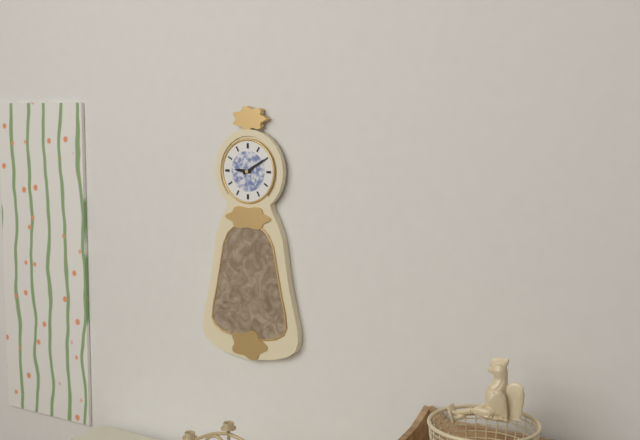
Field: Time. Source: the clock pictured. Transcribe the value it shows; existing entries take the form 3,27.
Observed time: 9,10
